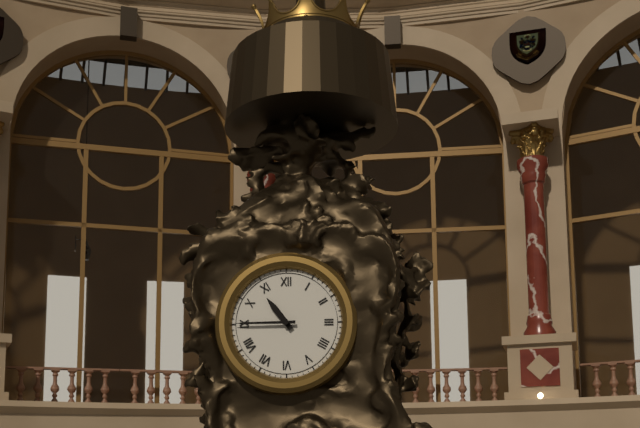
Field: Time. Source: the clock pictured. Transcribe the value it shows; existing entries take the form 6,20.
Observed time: 10,45
